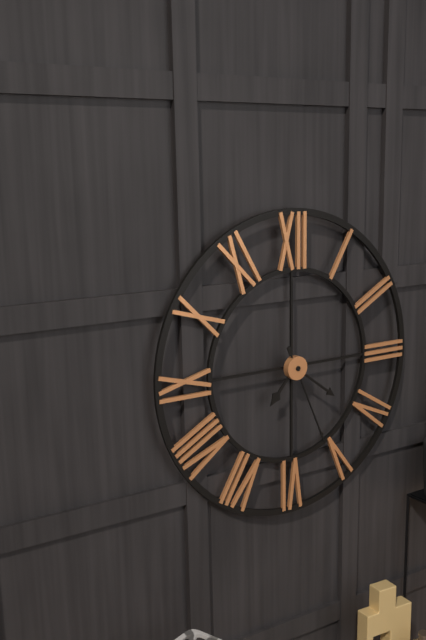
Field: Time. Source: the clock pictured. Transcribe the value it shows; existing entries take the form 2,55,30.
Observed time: 7,21,26
